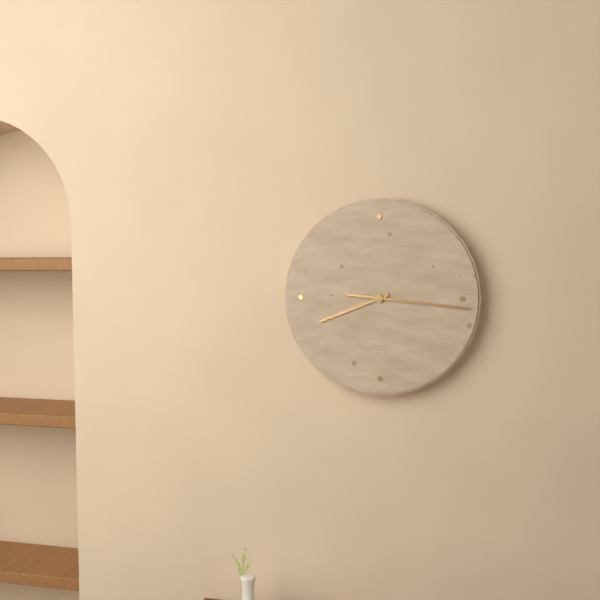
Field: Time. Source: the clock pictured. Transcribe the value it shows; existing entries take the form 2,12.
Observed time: 8,16
